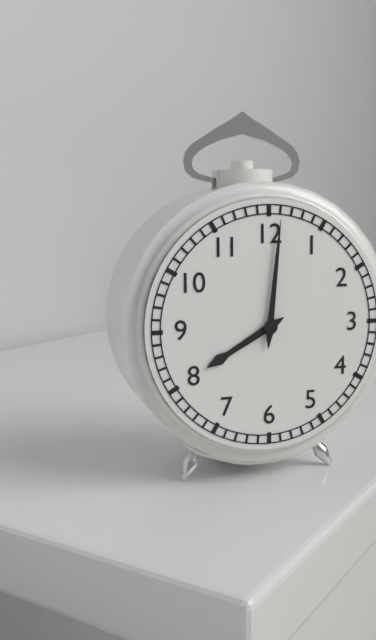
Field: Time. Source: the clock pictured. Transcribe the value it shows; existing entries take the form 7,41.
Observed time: 8,01
